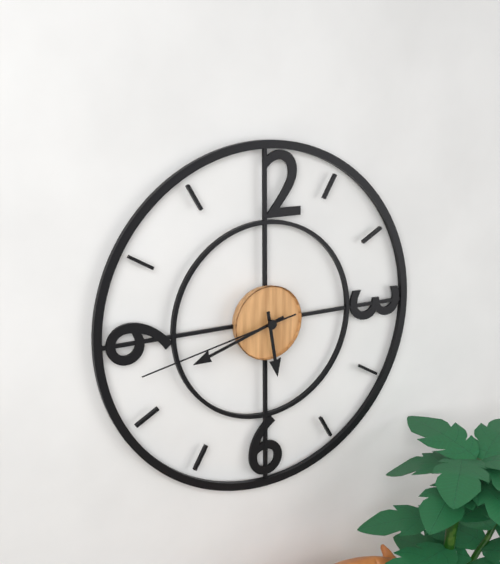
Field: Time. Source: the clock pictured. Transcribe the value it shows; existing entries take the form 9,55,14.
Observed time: 5,42,43
